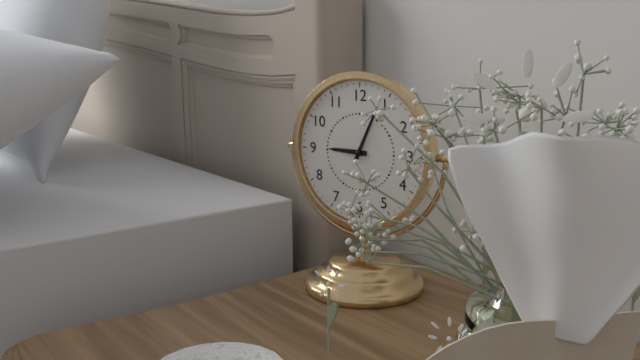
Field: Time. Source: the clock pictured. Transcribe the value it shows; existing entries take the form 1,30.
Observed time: 9,04
